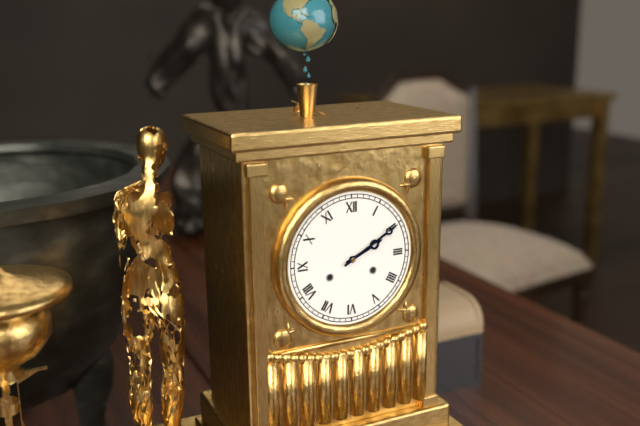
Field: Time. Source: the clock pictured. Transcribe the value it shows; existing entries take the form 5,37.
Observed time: 2,10
